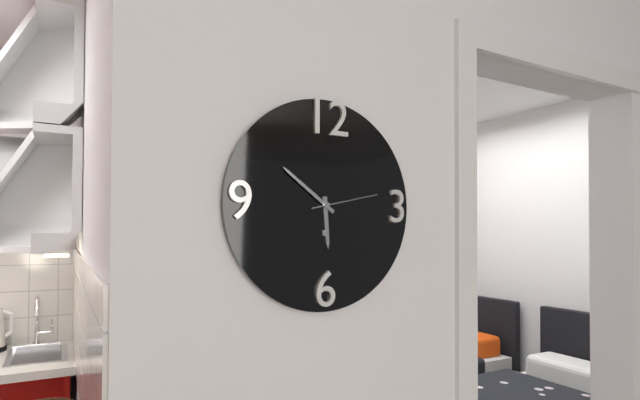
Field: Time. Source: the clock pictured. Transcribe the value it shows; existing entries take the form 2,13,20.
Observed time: 5,51,13
